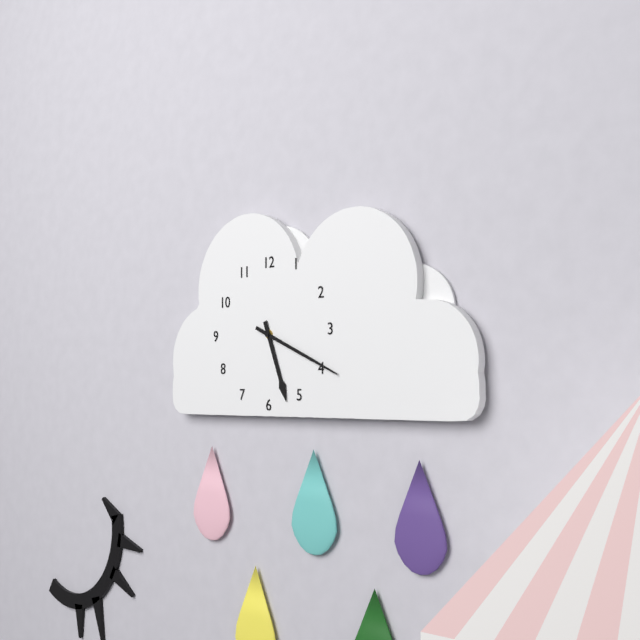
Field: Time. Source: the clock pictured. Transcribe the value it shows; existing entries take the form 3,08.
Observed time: 5,19
